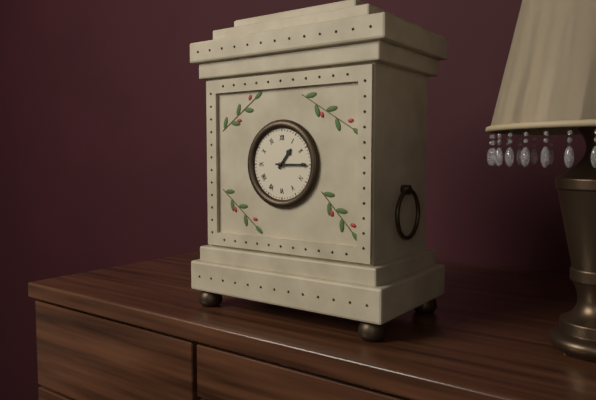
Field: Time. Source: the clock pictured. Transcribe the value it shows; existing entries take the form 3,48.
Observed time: 1,15
